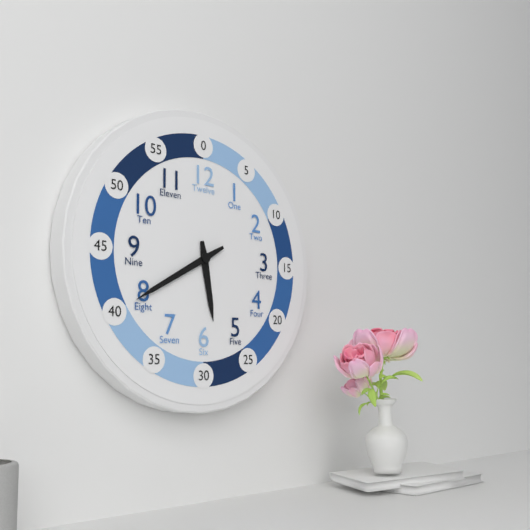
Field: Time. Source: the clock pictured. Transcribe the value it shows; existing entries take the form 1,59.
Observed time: 5,40
